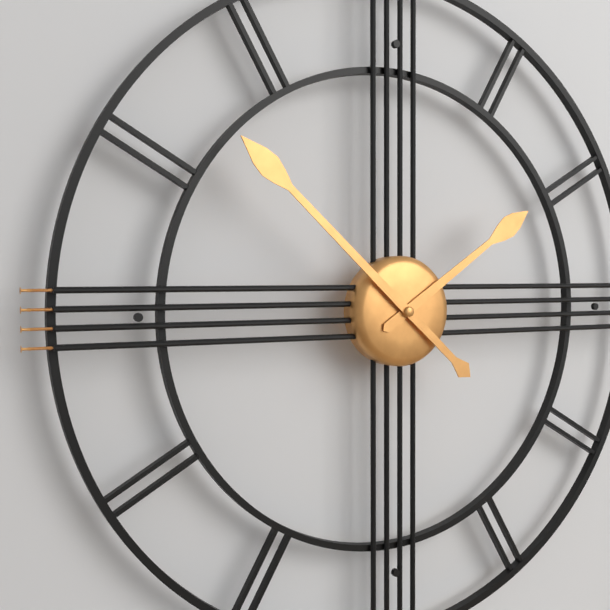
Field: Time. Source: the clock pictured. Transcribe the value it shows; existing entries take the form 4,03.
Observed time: 1,52
